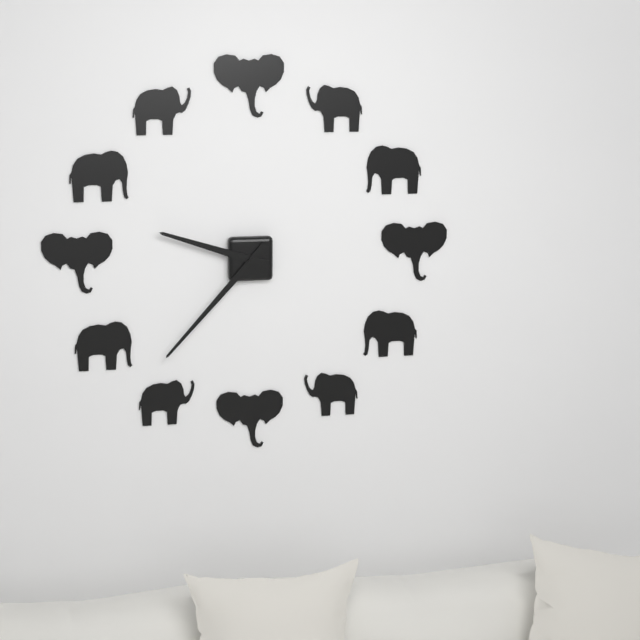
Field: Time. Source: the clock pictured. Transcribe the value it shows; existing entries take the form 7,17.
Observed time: 9,37
